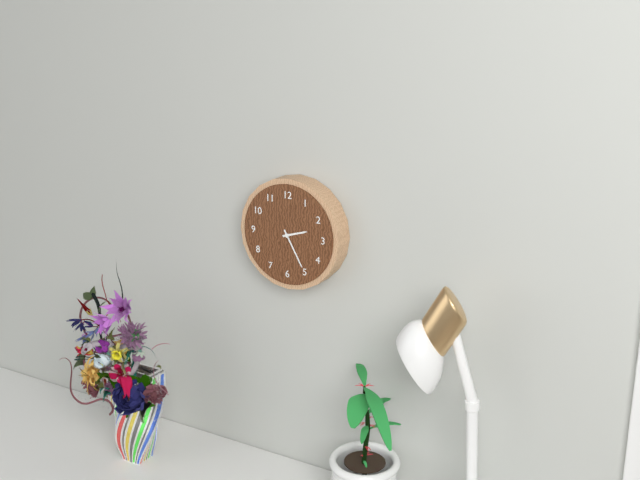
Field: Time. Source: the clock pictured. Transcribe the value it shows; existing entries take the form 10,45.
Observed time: 2,25
